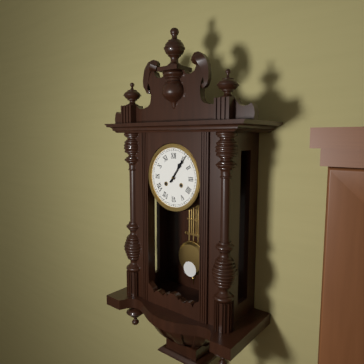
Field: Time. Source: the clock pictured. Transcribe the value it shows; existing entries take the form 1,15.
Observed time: 1,06
